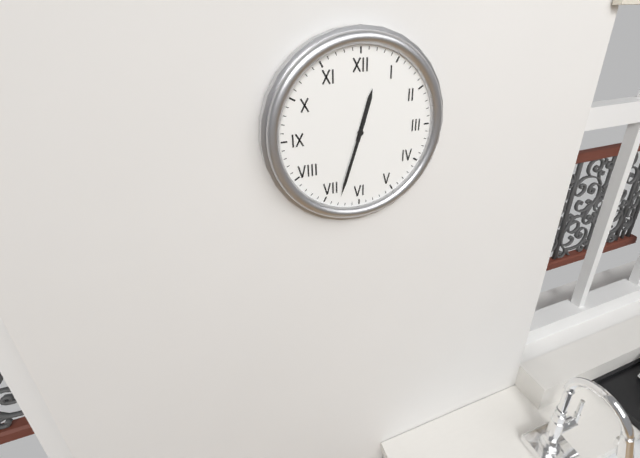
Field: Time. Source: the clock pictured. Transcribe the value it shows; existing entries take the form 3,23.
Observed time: 12,33
